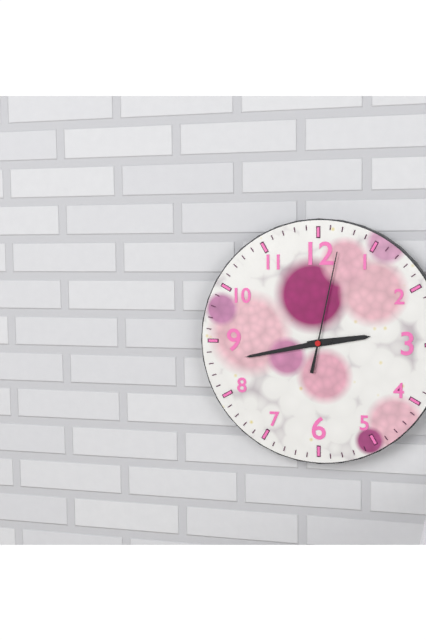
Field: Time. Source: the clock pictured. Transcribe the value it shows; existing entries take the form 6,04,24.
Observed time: 2,43,02
